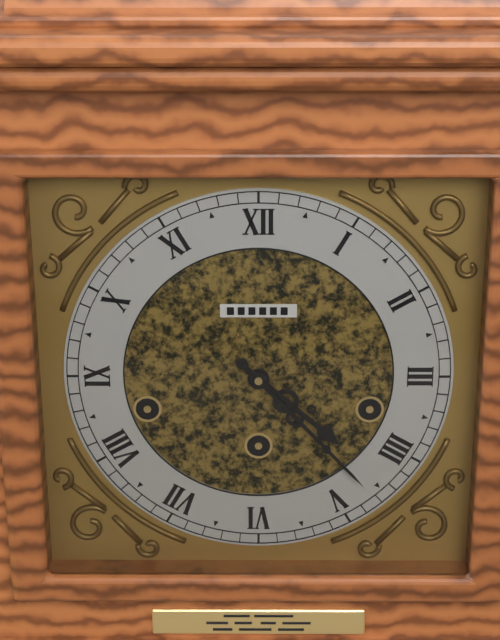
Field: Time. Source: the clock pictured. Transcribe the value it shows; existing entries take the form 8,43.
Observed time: 4,23
